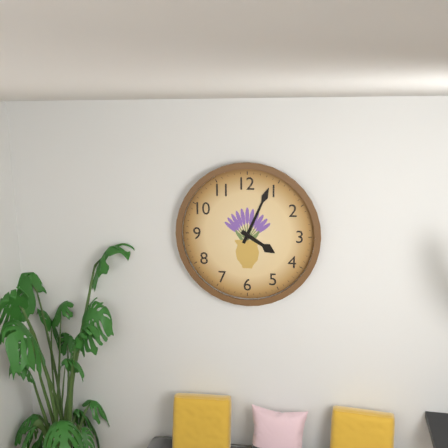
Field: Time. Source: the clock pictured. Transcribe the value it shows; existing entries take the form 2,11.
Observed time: 4,04
